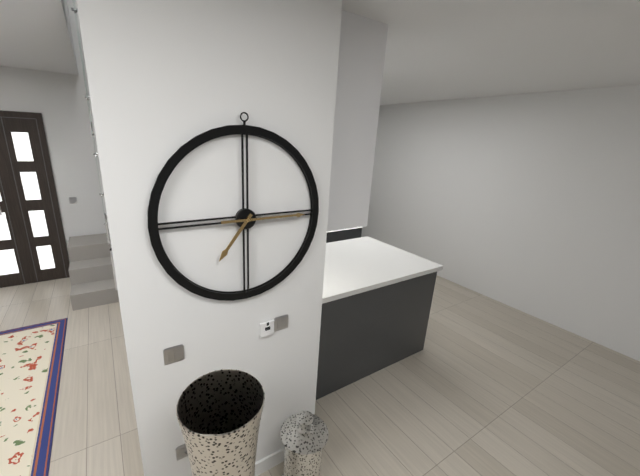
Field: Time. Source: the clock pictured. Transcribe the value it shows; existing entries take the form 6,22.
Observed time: 7,15
